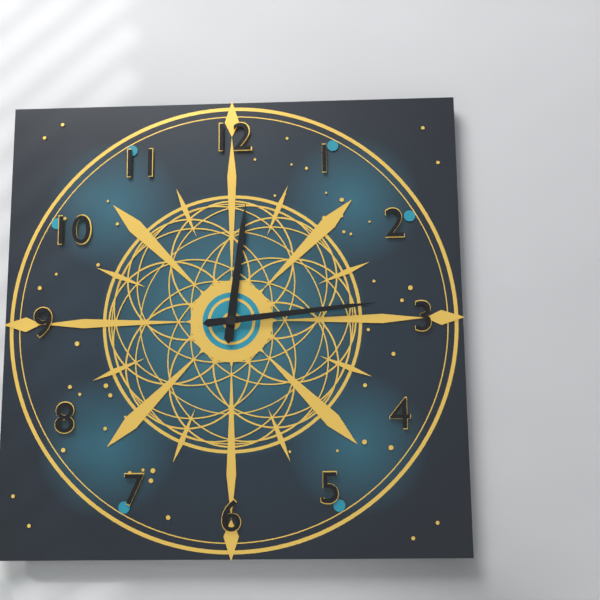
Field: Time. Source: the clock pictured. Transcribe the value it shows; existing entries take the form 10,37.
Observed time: 12,14
